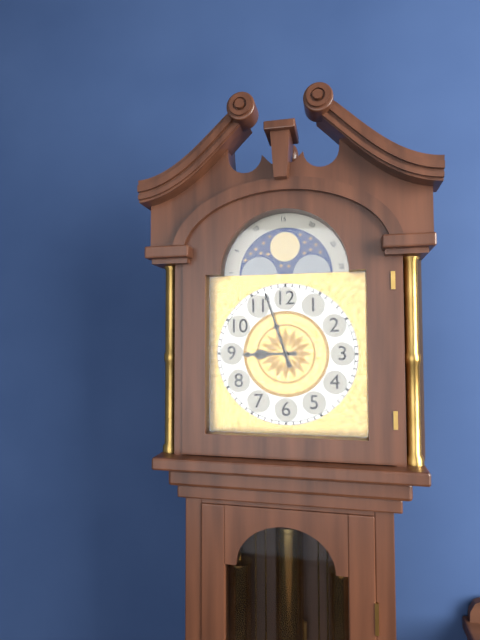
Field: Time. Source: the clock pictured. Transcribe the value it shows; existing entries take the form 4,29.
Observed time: 8,57
